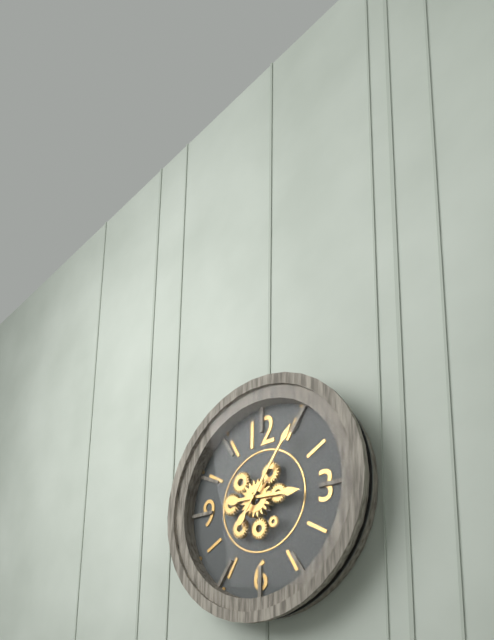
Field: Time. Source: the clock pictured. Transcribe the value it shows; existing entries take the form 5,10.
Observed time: 3,06
